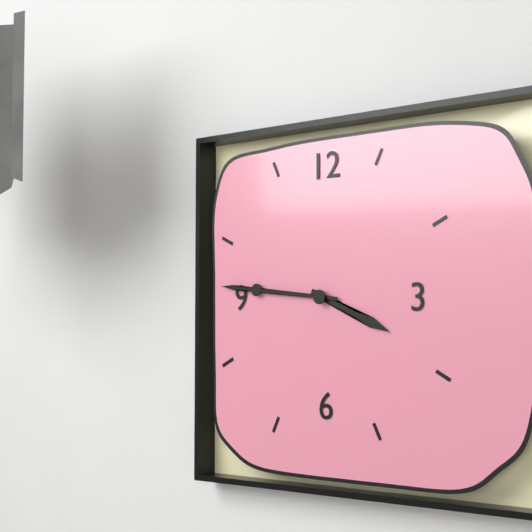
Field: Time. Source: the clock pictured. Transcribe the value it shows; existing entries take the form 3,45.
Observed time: 3,46
